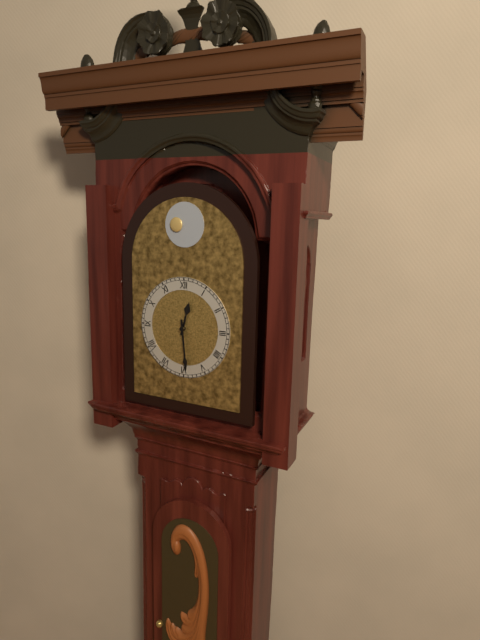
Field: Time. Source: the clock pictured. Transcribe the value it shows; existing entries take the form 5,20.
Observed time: 12,29
